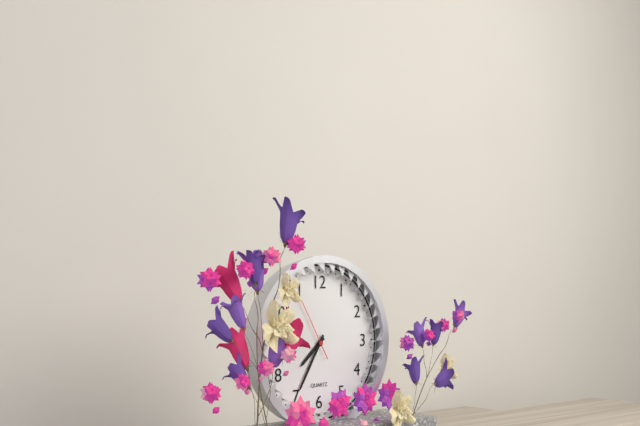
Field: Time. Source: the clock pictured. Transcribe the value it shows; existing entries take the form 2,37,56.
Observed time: 7,35,55
